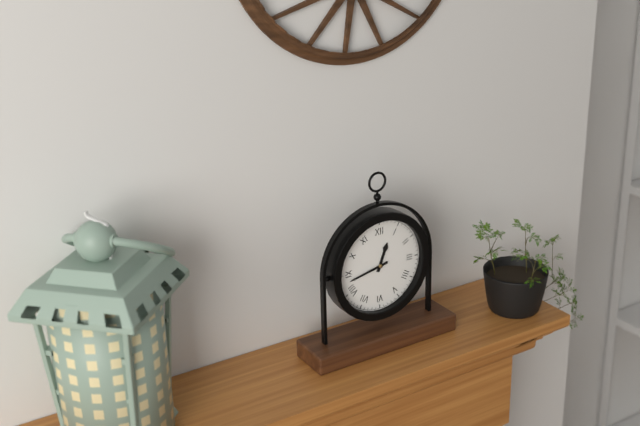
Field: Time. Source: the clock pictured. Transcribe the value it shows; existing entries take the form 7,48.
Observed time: 12,43
